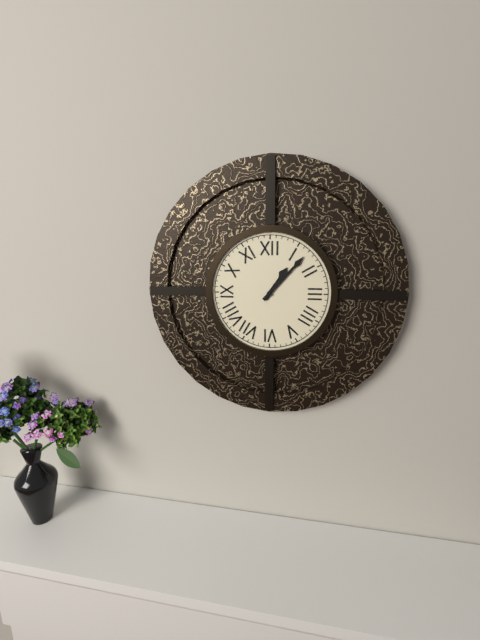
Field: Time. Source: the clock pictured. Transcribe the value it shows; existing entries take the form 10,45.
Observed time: 1,07
